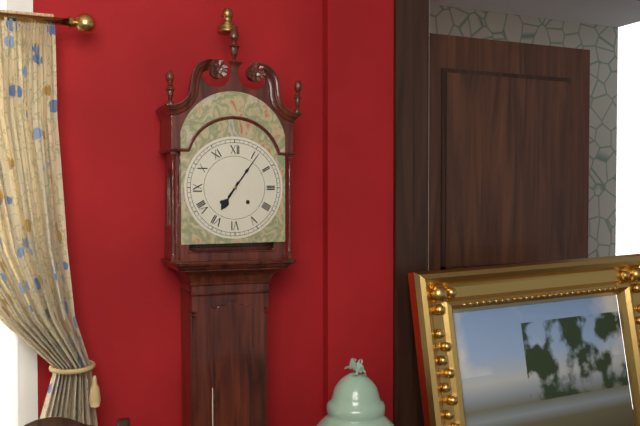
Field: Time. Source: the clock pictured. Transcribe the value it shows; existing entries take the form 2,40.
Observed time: 7,06
